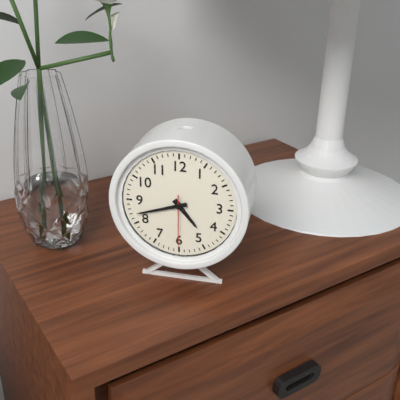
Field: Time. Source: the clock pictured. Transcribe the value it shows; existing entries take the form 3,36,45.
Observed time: 4,42,30
